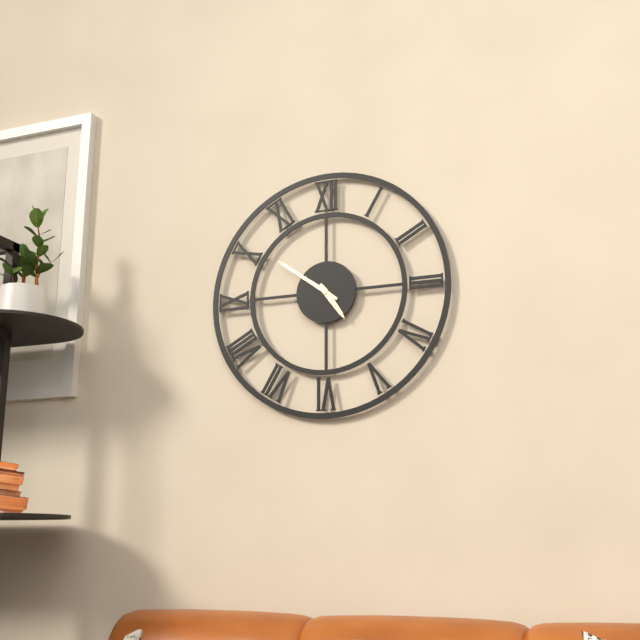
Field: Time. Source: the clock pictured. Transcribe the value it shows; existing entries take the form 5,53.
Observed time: 4,51
